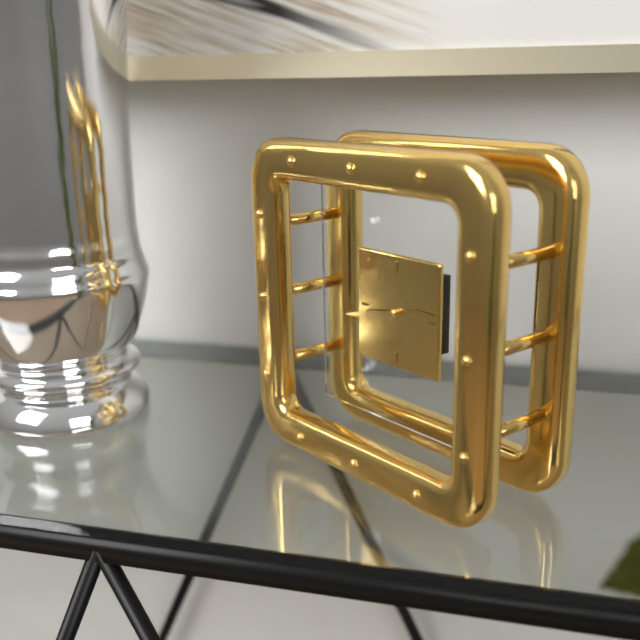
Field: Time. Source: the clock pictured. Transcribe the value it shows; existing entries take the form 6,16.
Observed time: 2,43
